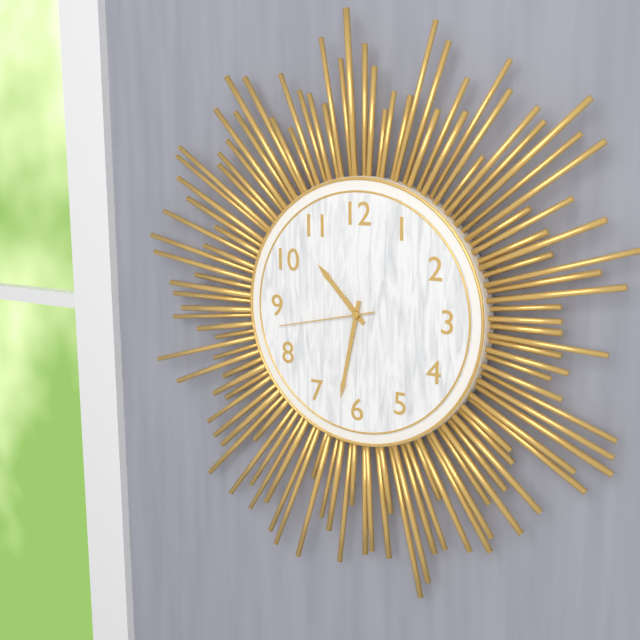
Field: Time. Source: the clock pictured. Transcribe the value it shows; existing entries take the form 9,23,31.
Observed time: 10,32,43
